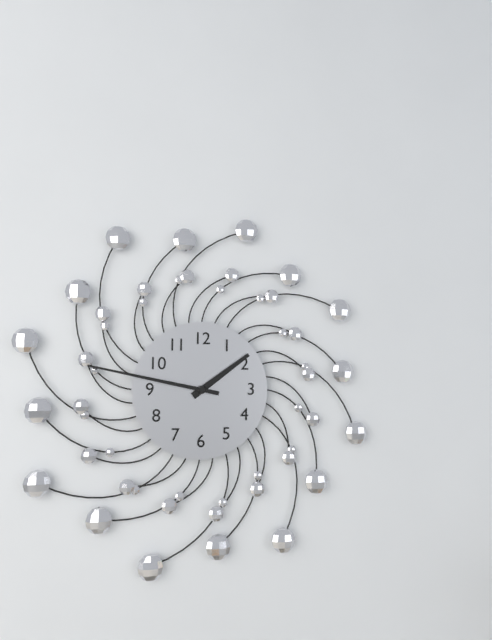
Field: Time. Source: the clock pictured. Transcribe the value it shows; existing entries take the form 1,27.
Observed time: 1,47
